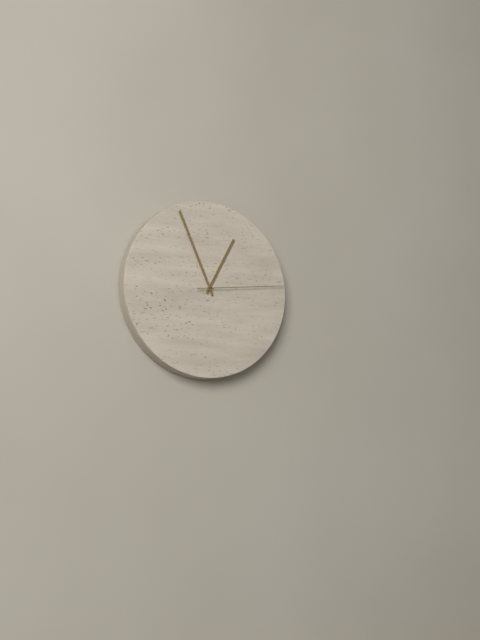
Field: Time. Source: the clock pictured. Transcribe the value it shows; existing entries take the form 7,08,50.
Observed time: 12,56,14
